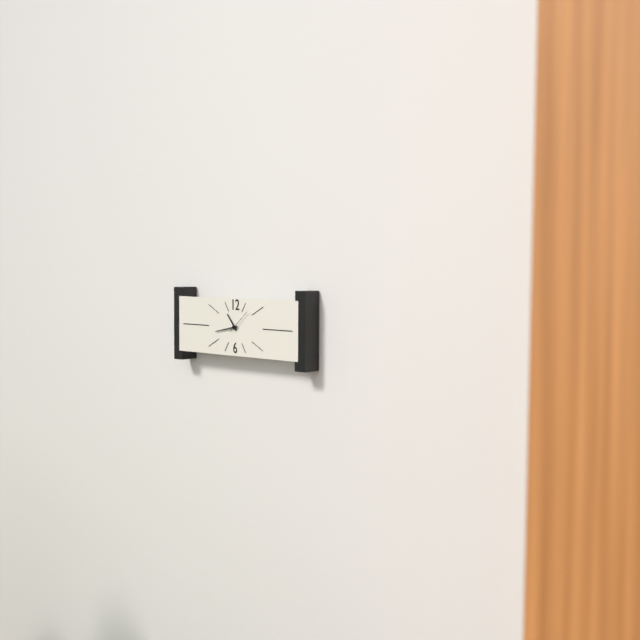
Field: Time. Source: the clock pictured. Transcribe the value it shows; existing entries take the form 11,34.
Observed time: 10,43
